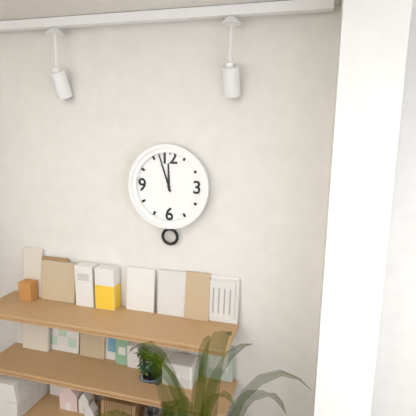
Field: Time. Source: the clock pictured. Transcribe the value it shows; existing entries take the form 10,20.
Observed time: 11,57
